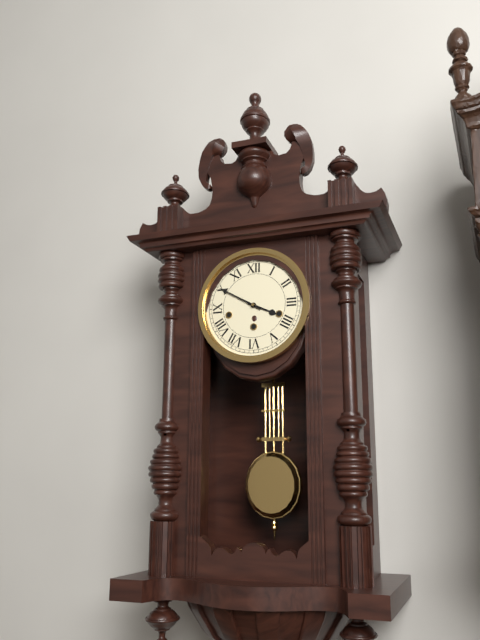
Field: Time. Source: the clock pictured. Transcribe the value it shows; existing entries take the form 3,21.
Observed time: 3,50
